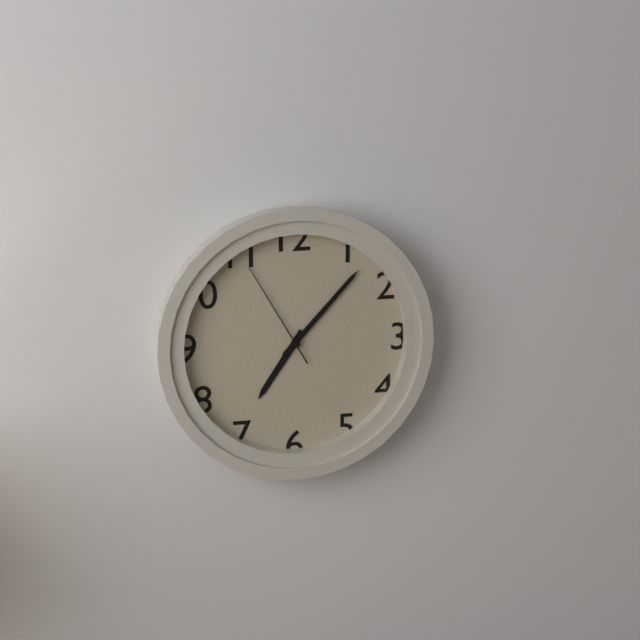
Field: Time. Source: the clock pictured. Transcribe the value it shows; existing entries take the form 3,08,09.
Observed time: 7,07,55
